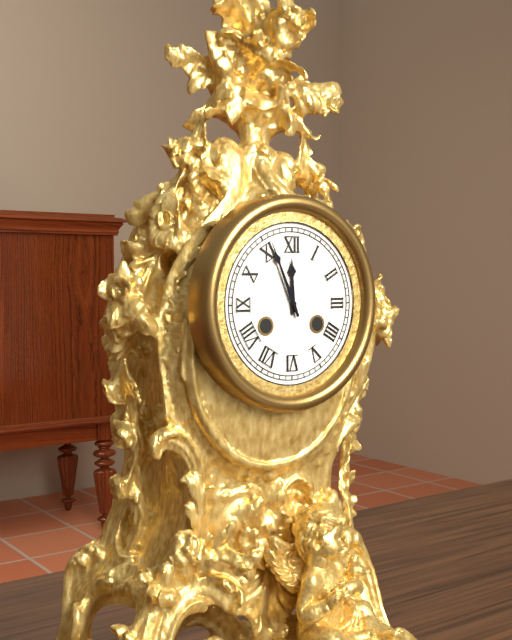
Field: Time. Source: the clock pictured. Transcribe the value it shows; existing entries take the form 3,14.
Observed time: 11,56
